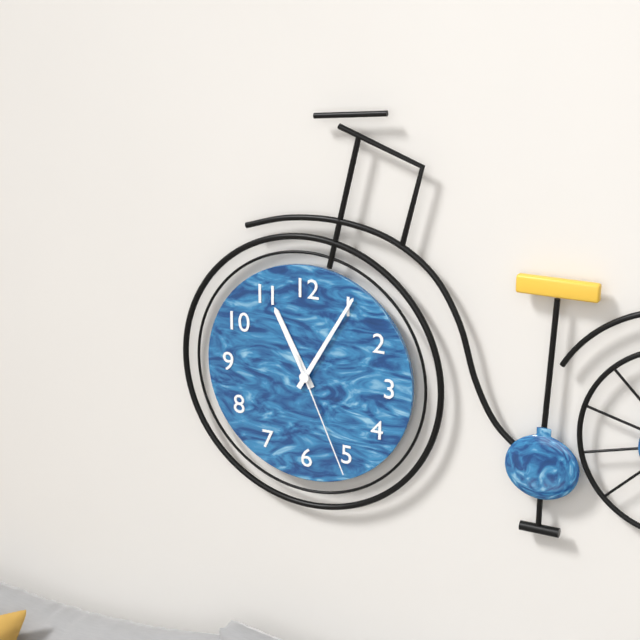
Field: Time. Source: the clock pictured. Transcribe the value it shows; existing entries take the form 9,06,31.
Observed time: 11,05,26
